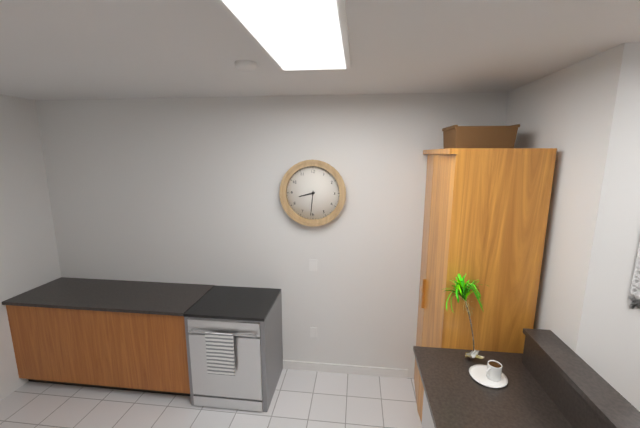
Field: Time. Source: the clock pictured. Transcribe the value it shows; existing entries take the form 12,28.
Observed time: 8,31
